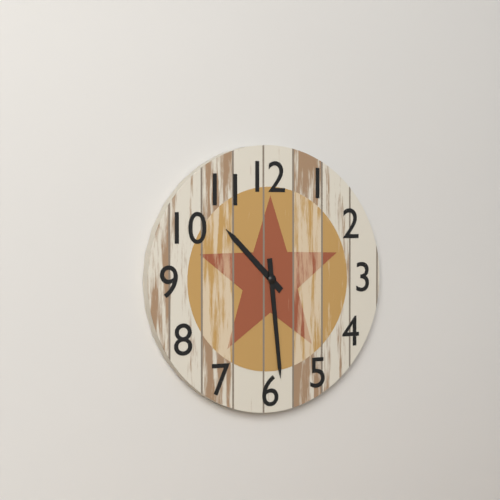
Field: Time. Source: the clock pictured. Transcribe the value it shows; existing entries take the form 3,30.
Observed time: 10,29
